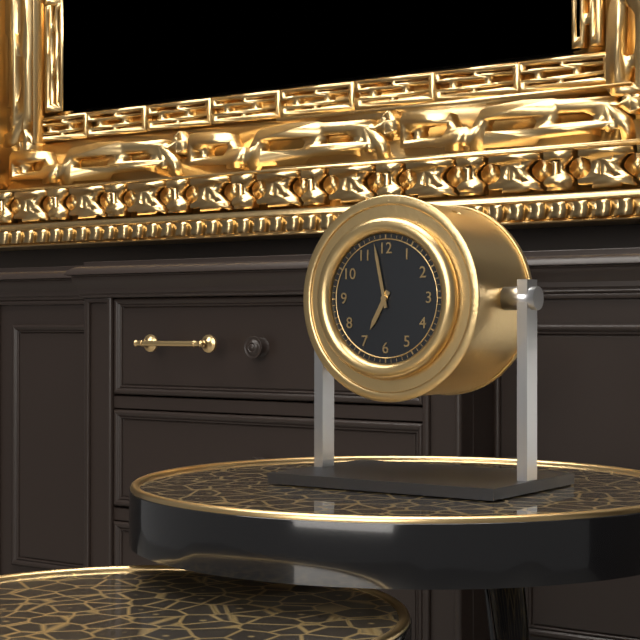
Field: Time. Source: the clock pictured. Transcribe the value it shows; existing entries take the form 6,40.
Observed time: 6,58
